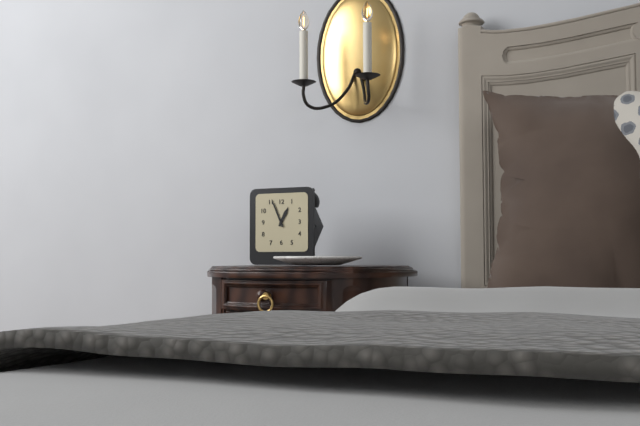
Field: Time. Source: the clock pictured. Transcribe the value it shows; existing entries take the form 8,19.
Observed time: 12,56
